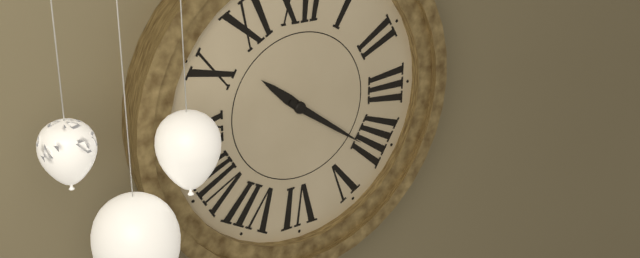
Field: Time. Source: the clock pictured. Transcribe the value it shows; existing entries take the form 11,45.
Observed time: 10,21
